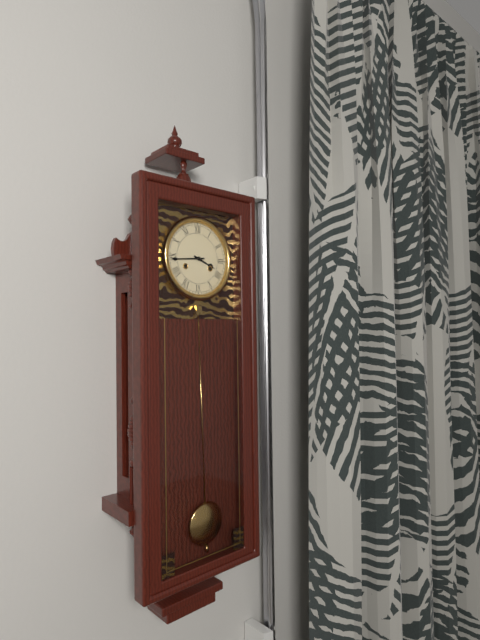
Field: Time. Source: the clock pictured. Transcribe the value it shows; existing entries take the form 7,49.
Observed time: 3,44
